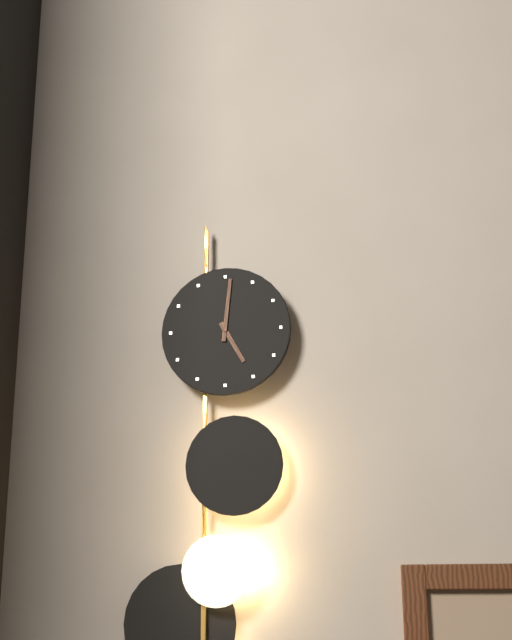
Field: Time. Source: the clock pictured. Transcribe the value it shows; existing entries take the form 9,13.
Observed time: 5,01
